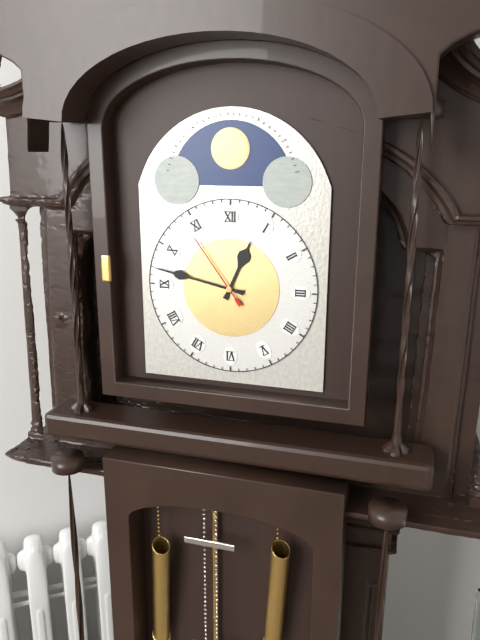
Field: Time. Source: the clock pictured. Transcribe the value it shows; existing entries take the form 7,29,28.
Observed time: 12,47,54
